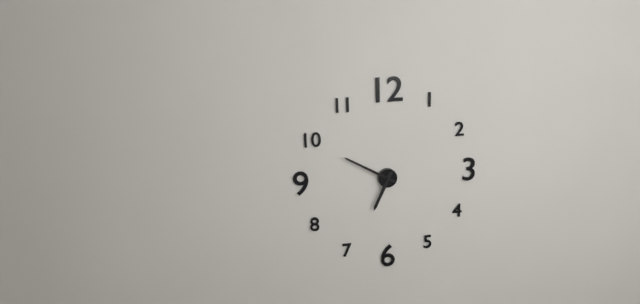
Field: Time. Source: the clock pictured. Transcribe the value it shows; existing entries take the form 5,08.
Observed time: 6,50
